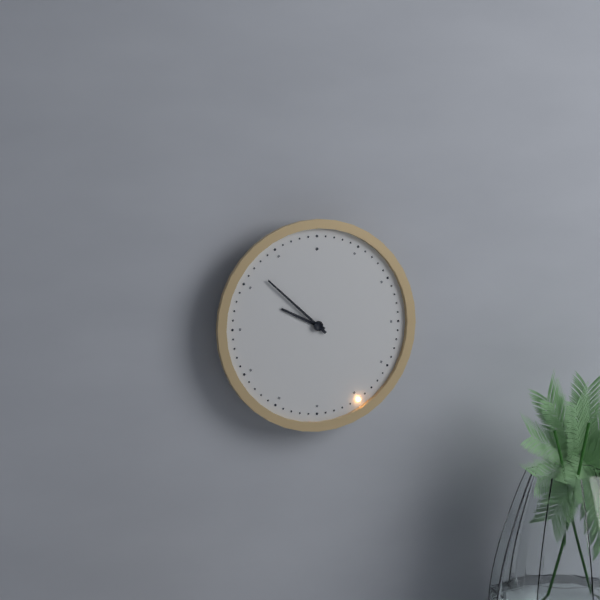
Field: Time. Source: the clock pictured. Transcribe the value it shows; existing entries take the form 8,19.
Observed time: 9,52
